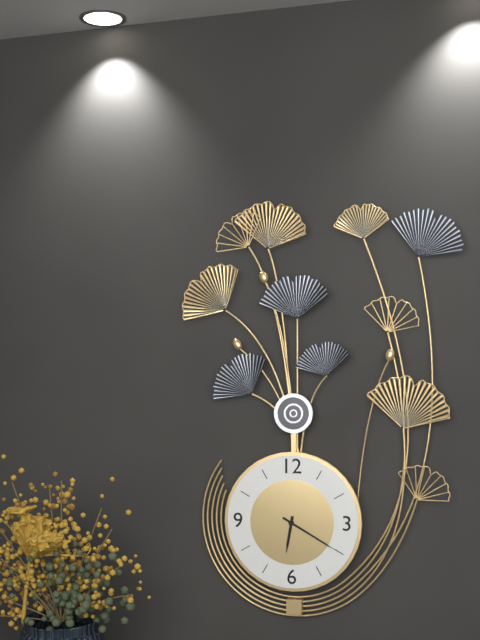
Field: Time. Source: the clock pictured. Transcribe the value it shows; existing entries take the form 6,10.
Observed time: 6,20
